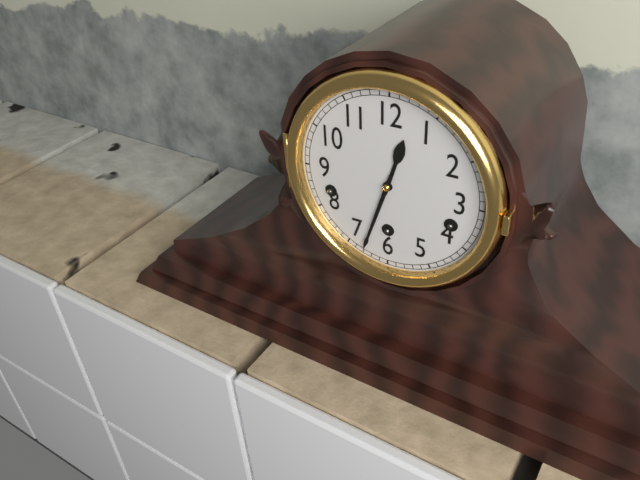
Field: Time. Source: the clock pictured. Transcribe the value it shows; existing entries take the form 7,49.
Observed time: 12,33
